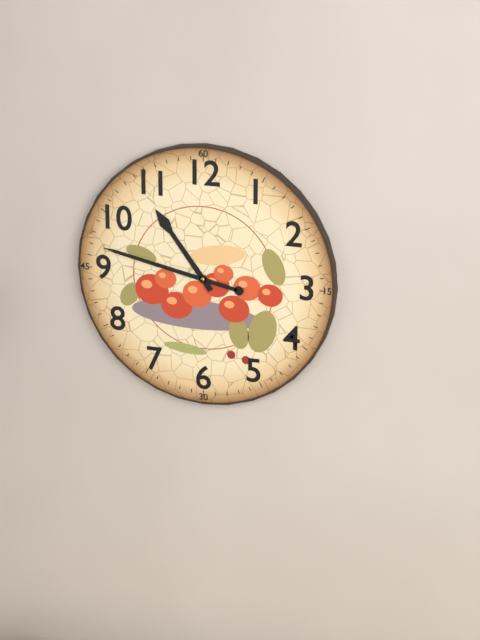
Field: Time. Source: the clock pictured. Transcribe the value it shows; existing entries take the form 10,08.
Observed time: 10,47
